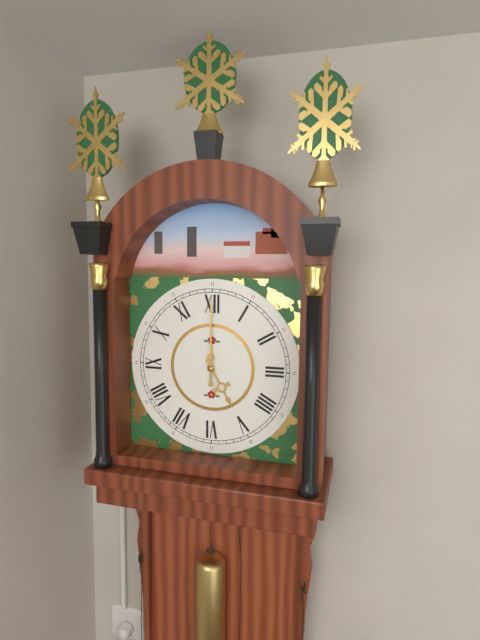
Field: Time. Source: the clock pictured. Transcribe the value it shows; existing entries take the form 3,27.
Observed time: 5,00
